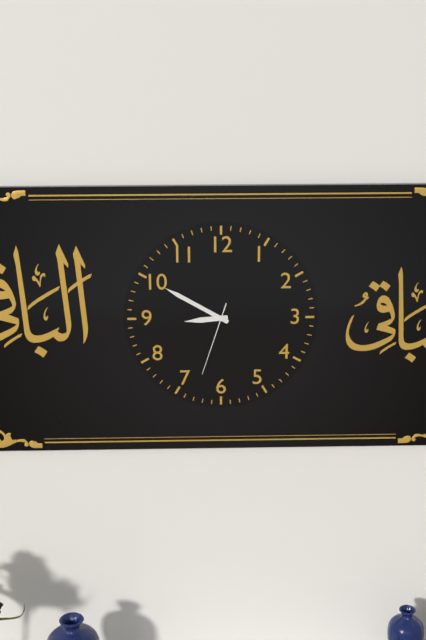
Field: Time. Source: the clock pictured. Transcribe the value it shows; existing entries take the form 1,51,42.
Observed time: 8,50,33
